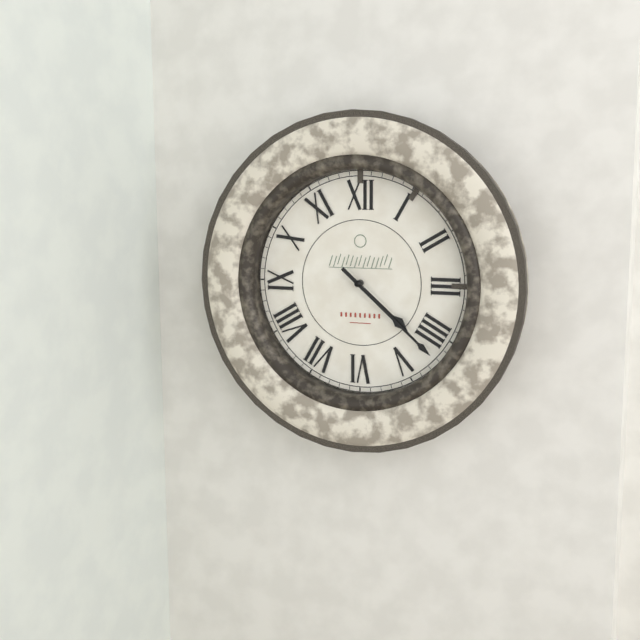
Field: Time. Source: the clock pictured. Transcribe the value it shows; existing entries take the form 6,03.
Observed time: 4,22
